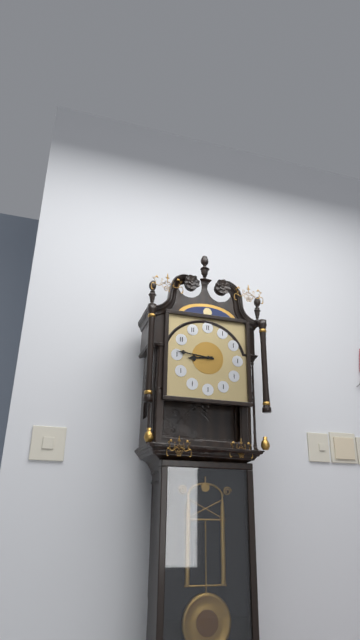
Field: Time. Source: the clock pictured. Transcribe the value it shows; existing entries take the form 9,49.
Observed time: 8,46
